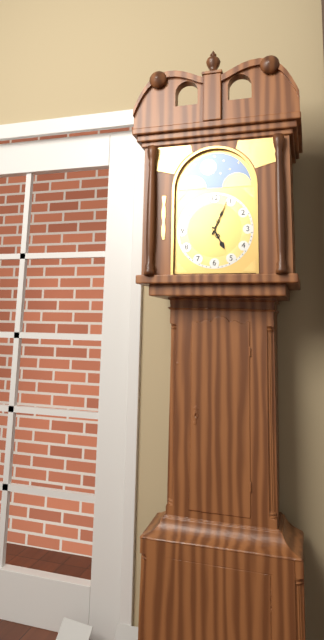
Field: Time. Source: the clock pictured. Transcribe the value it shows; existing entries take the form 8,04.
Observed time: 5,04
